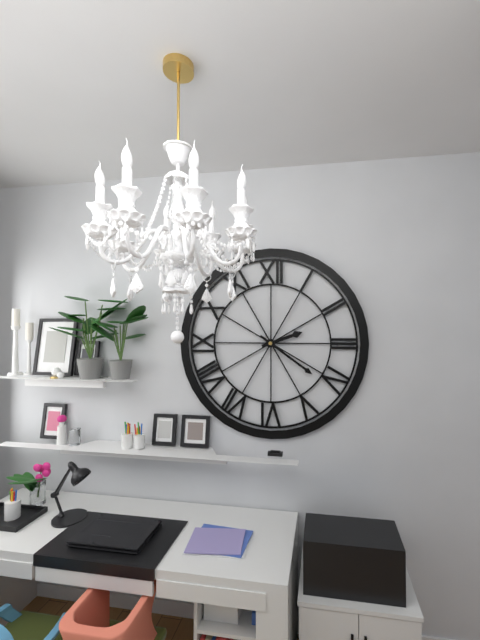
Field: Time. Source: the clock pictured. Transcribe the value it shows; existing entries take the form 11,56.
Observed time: 2,21
